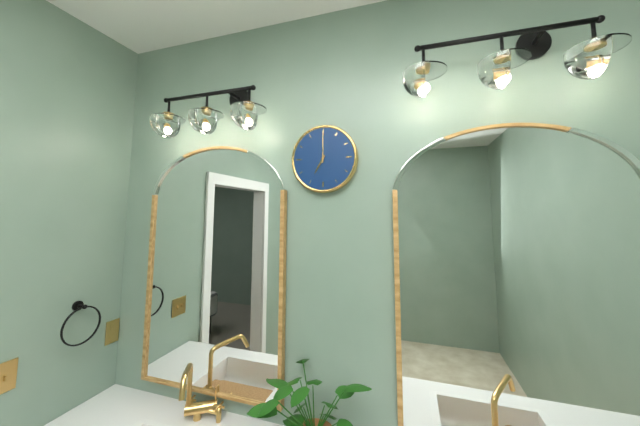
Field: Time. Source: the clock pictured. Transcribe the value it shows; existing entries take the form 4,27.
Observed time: 7,00
